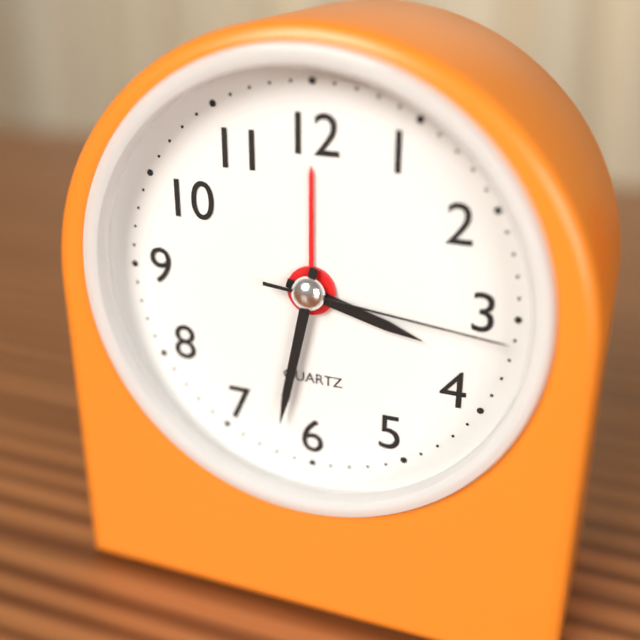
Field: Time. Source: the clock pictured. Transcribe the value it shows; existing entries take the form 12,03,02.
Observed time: 3,32,16
